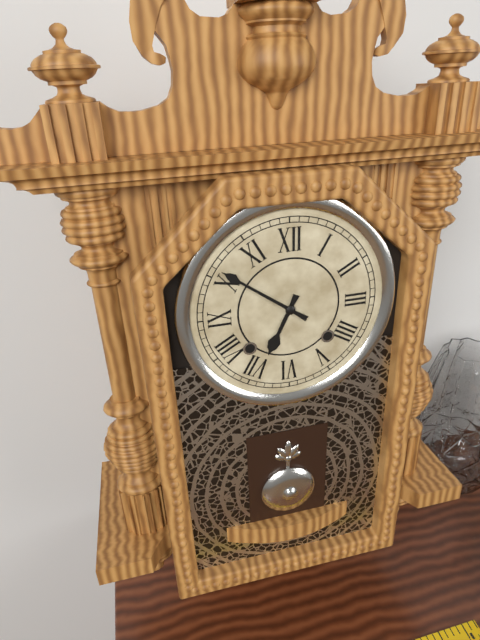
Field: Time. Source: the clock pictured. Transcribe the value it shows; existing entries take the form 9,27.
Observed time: 6,51
